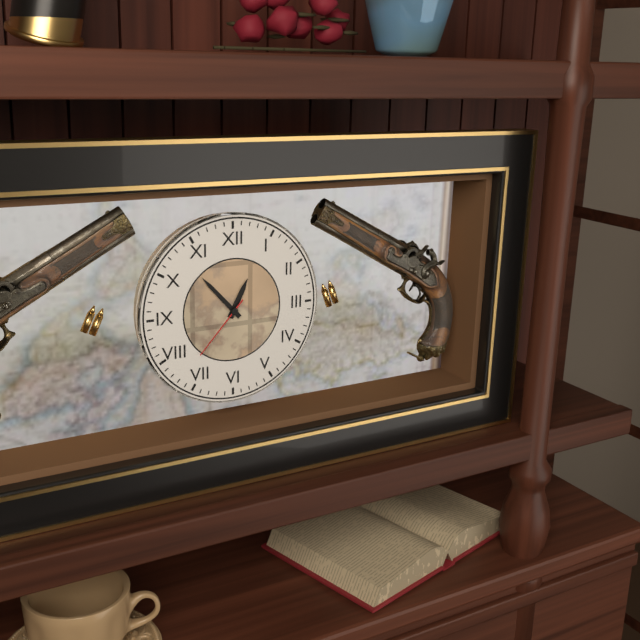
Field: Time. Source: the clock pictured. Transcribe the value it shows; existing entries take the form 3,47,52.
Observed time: 12,53,37
